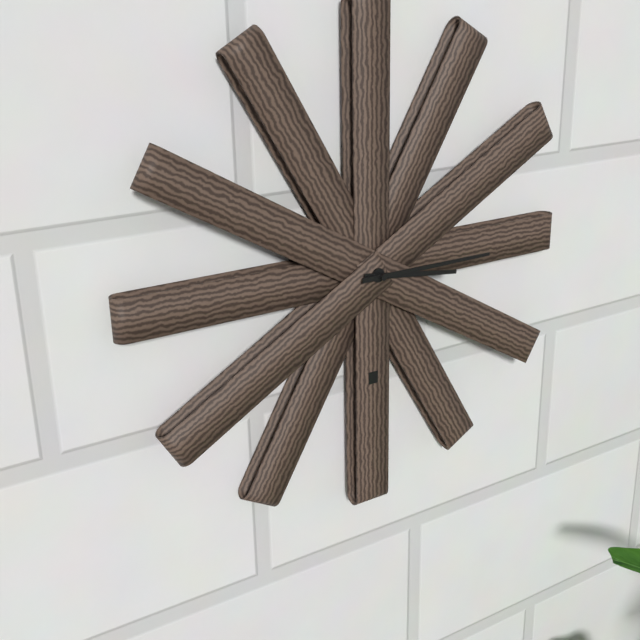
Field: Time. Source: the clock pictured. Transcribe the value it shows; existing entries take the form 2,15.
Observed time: 3,15
